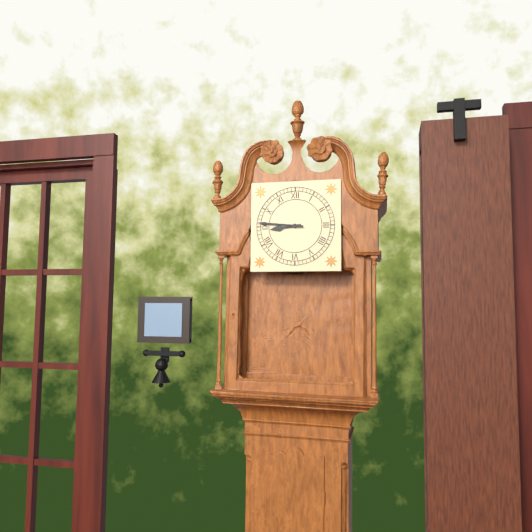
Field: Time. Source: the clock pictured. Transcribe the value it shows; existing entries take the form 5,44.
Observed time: 8,46
